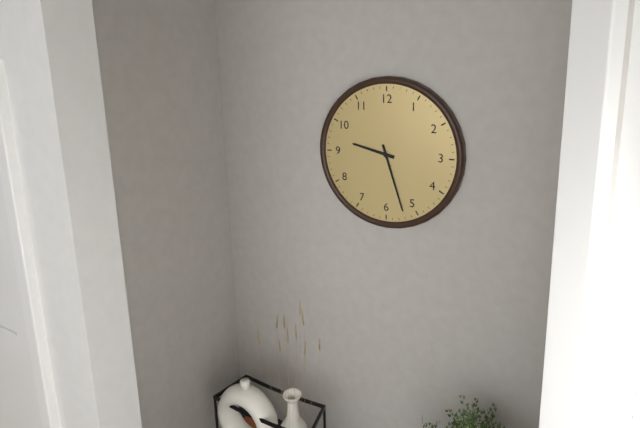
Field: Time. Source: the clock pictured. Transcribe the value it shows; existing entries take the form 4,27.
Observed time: 9,27
